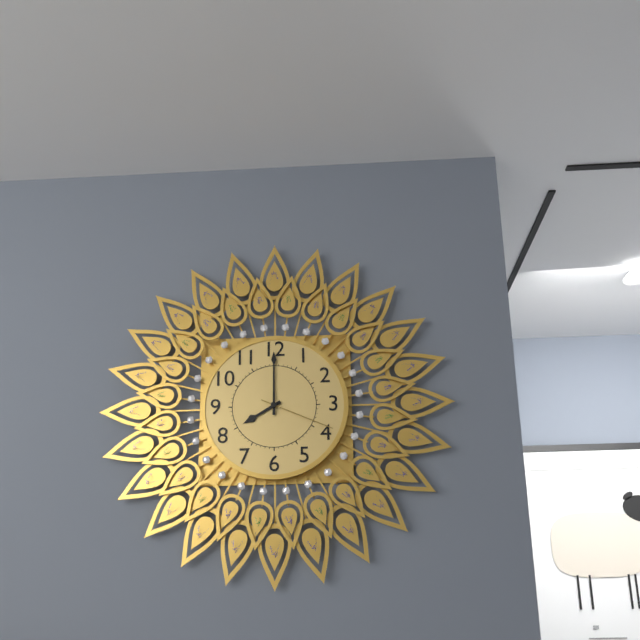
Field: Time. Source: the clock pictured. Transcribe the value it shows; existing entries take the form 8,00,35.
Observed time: 8,00,19
